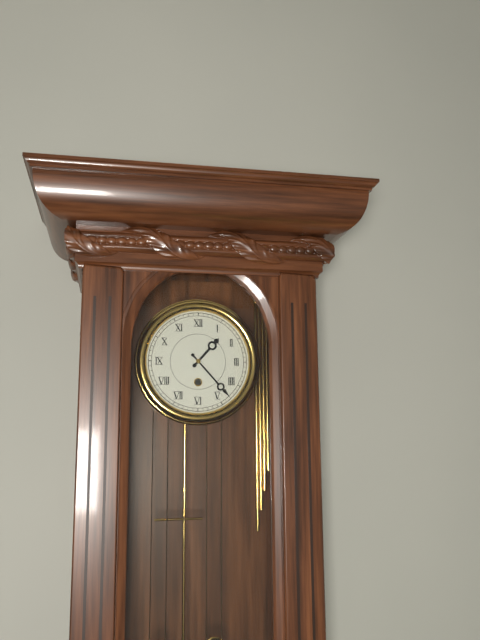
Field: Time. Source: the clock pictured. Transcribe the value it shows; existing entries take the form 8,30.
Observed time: 1,23
